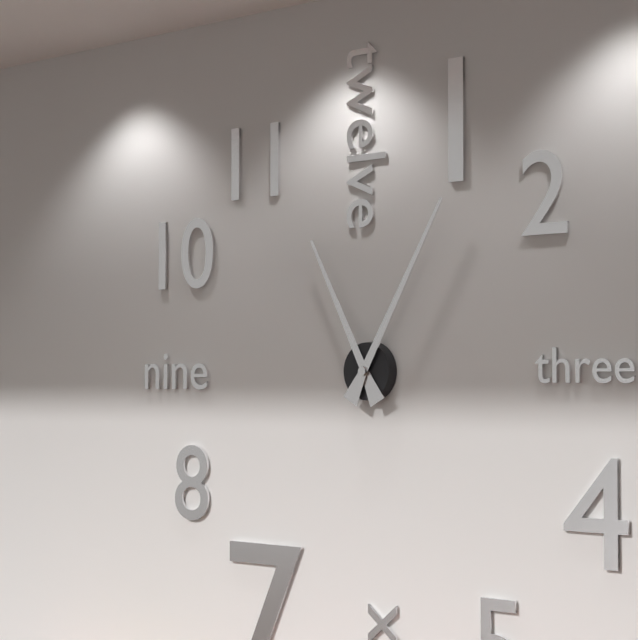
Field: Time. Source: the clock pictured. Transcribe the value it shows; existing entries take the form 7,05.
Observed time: 11,05
